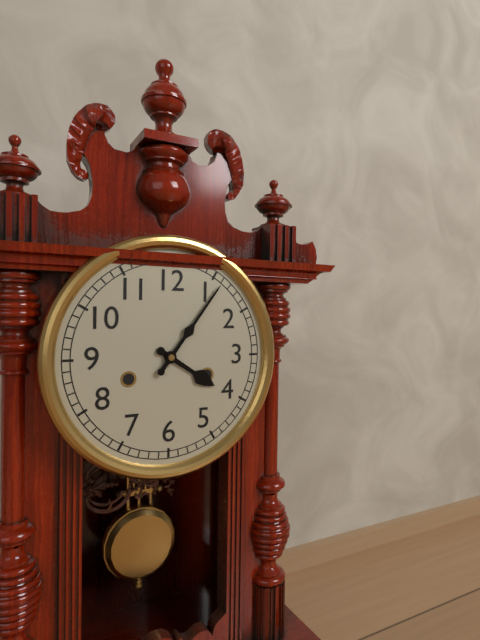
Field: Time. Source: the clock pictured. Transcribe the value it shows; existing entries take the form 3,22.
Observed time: 4,06
